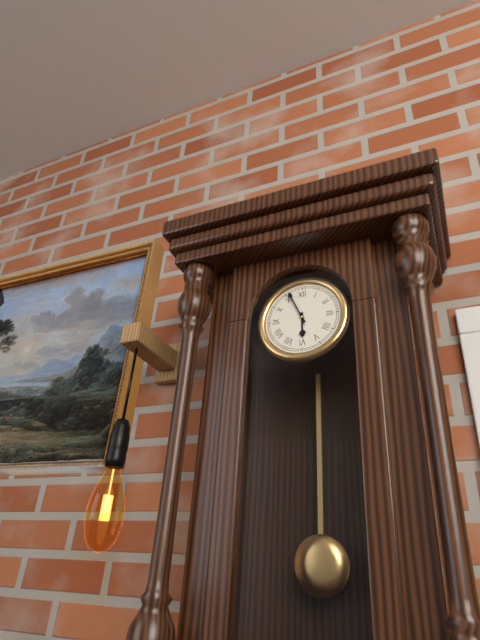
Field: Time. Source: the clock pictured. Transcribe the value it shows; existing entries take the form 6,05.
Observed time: 5,56
